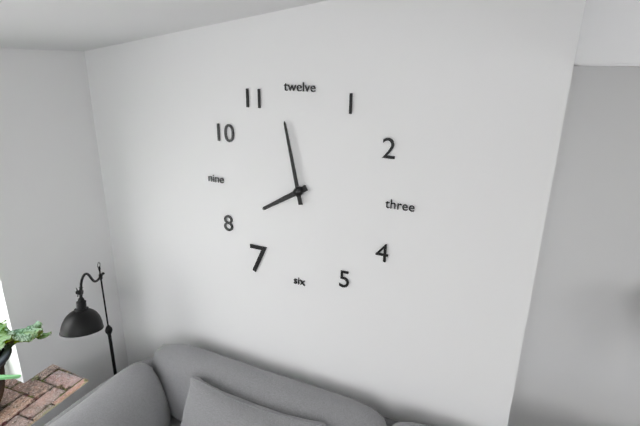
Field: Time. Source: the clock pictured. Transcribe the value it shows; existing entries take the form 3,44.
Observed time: 7,58
